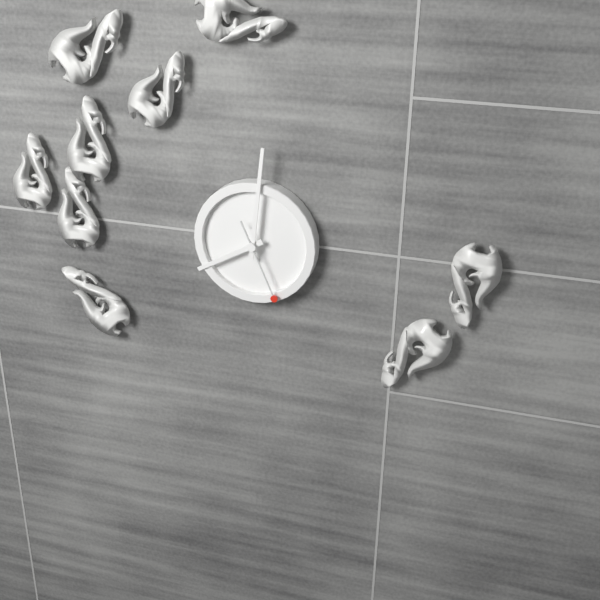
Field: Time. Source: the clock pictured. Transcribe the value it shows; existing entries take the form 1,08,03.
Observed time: 8,01,26
